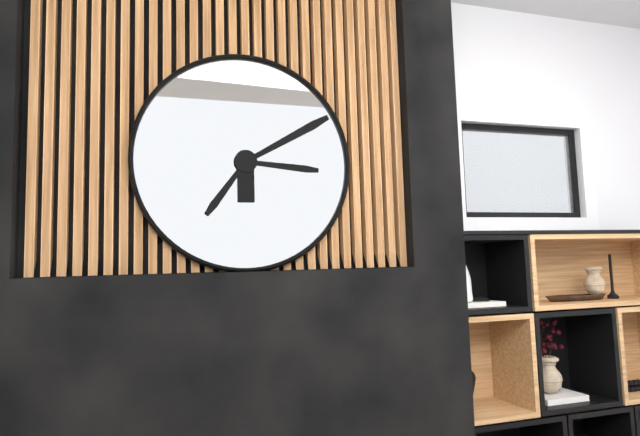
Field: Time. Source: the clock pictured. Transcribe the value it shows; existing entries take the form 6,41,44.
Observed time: 3,10,36
